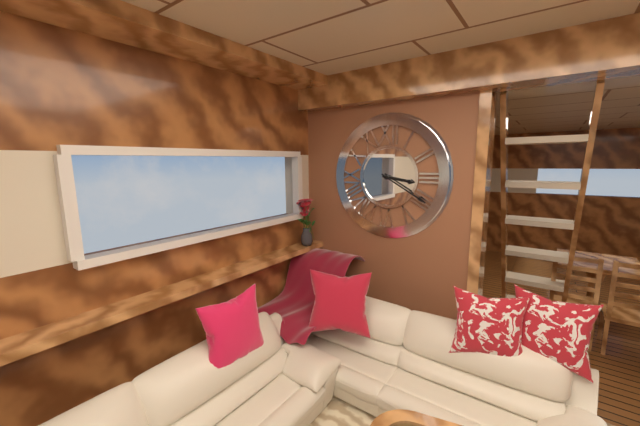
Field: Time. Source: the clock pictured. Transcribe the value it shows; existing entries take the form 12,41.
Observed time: 3,20
